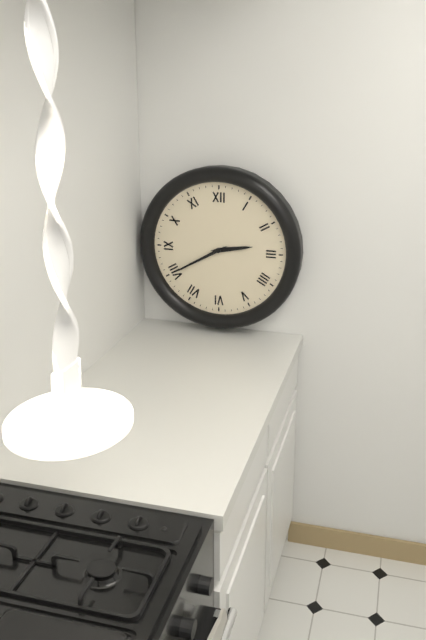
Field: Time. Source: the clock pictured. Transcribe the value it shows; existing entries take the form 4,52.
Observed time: 2,40
